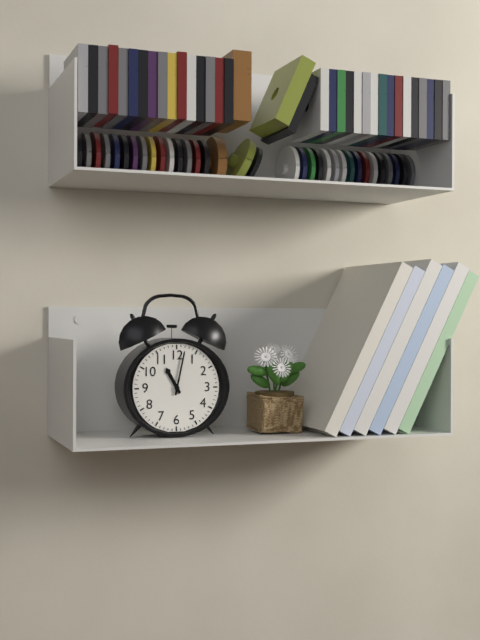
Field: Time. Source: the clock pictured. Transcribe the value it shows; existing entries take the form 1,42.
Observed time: 11,02
